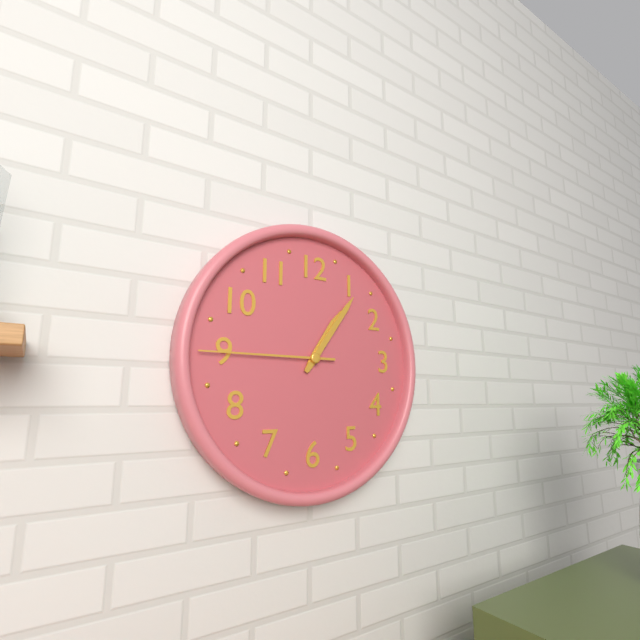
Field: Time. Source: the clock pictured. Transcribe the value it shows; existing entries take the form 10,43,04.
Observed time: 1,06,45
